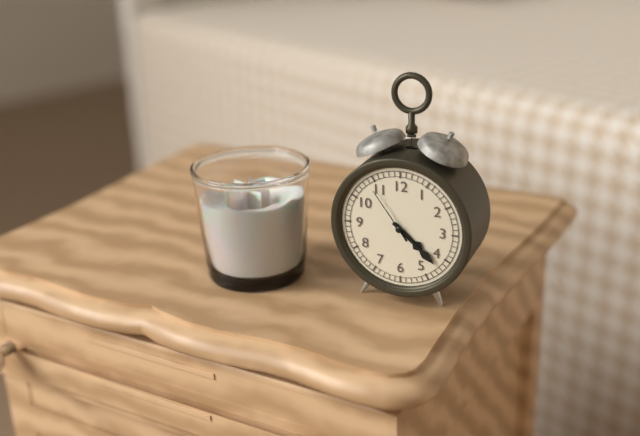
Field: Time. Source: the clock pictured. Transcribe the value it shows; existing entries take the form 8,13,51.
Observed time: 4,22,54
